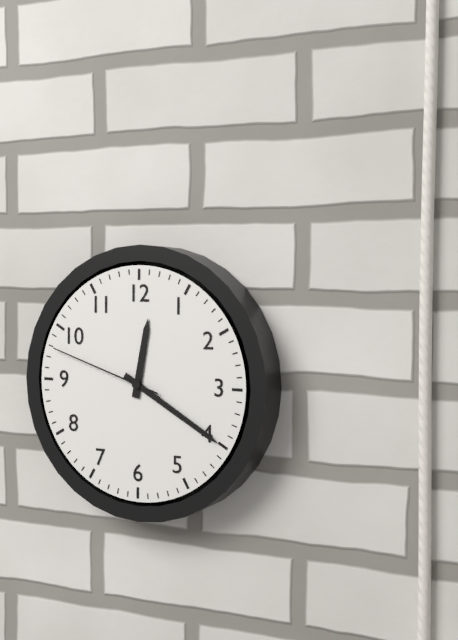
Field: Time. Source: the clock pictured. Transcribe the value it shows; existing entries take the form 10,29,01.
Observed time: 12,20,48
